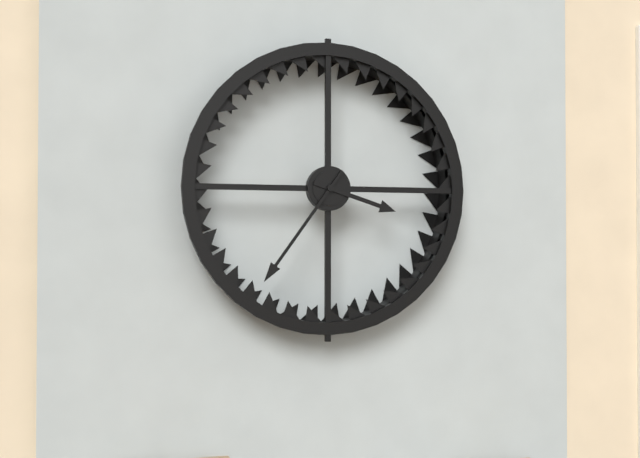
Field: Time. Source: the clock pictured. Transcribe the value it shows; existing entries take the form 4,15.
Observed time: 3,36
